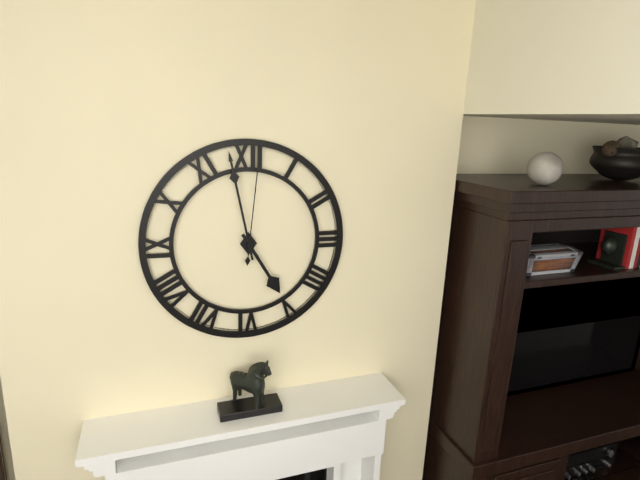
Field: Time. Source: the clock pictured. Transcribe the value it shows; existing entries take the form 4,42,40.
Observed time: 4,58,01
